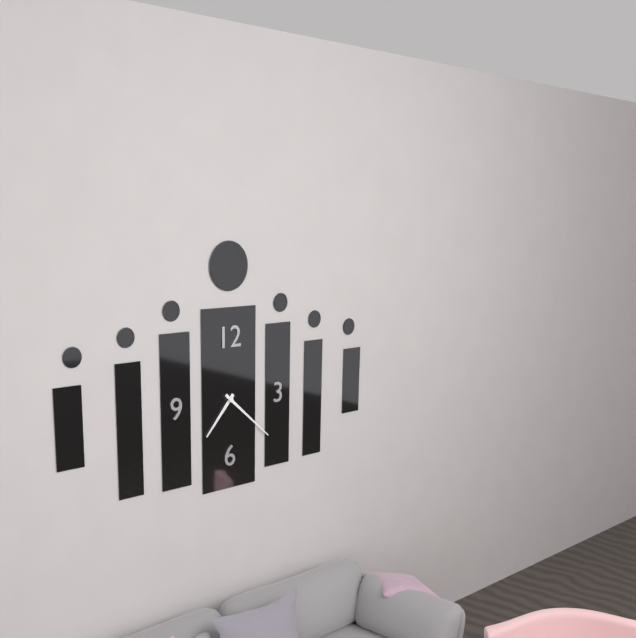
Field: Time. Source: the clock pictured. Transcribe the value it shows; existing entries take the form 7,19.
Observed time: 7,22
